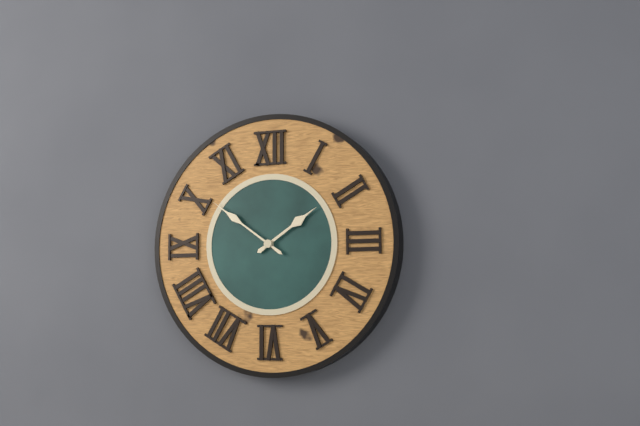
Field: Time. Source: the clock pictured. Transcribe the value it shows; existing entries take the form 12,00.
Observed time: 1,51
